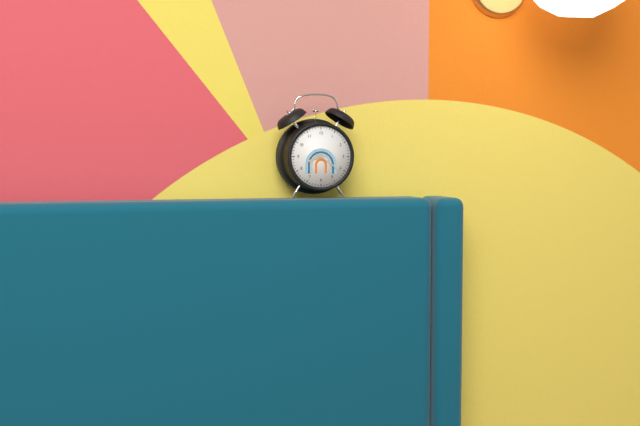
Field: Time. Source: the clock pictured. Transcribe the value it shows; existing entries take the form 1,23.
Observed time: 8,21
